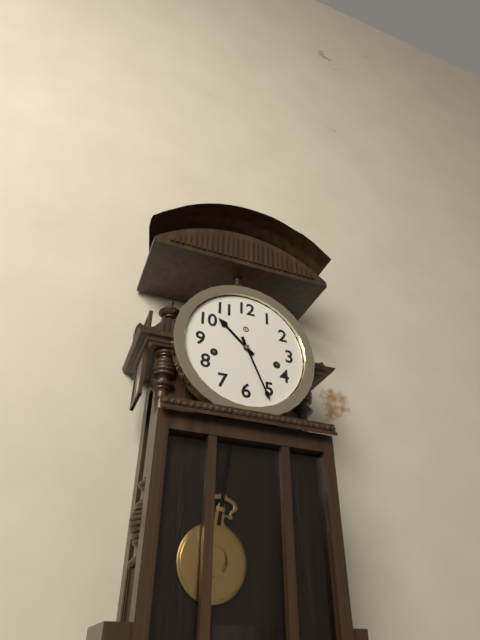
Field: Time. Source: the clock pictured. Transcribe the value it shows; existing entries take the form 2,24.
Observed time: 10,26
